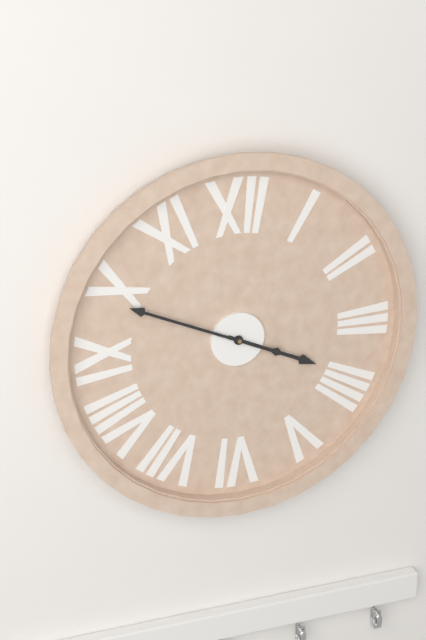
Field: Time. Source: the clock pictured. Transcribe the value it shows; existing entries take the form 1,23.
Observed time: 3,49
